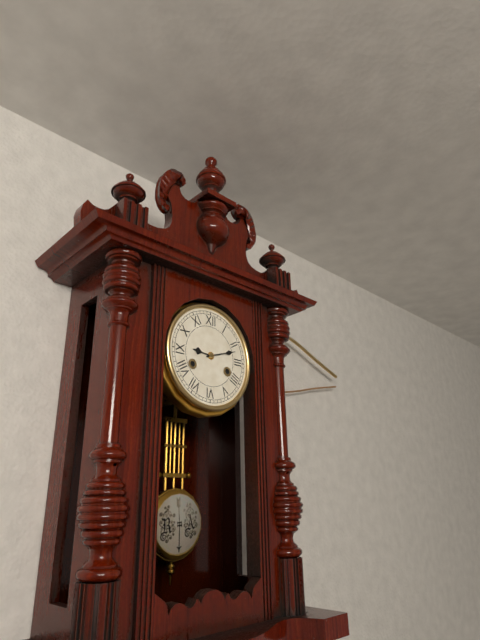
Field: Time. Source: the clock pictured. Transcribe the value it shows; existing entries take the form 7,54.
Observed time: 9,12
